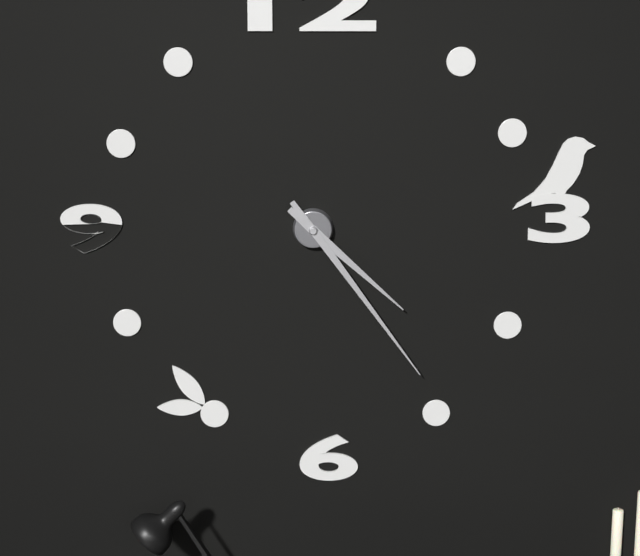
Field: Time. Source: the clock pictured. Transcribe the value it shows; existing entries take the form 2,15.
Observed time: 4,24
